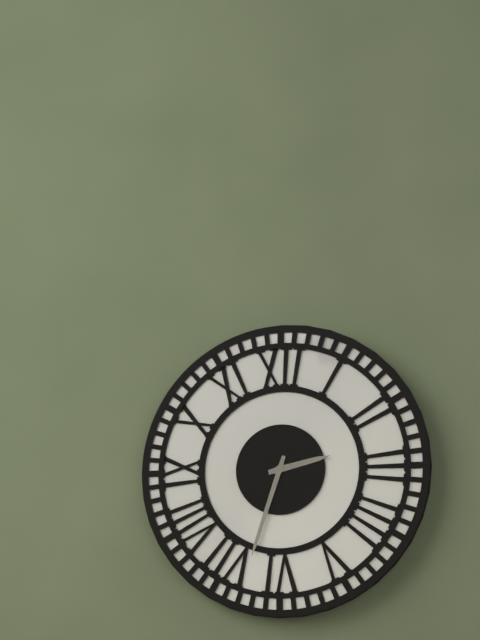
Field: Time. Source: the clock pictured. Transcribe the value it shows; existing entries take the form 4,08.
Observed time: 2,33
